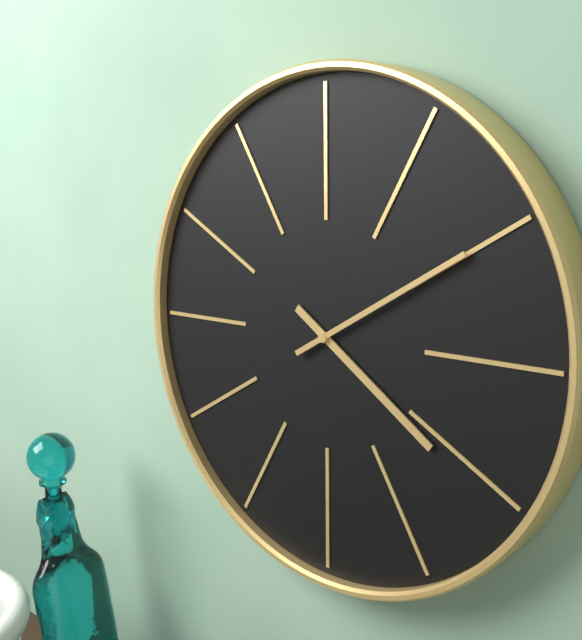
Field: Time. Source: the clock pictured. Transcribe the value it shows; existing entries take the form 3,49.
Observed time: 4,10
